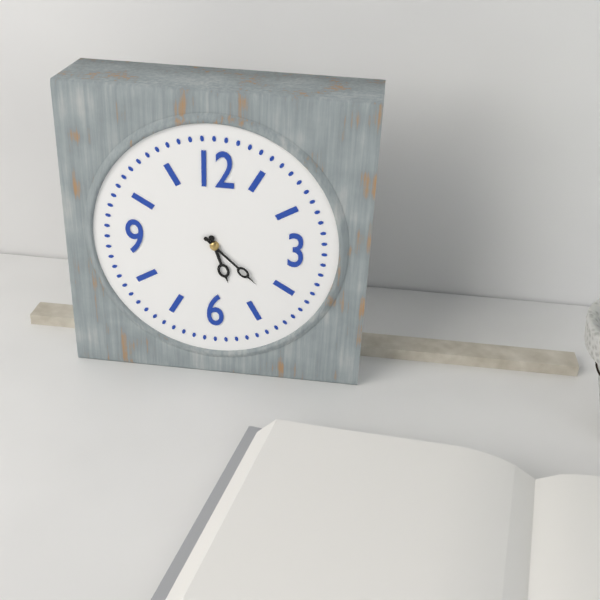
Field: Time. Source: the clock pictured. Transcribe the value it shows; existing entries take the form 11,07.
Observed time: 5,22
